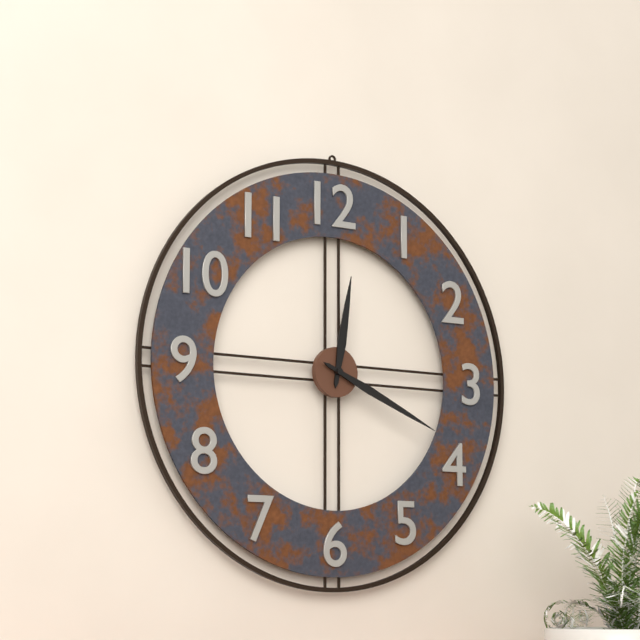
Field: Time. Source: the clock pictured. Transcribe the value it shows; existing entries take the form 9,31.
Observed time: 12,19
